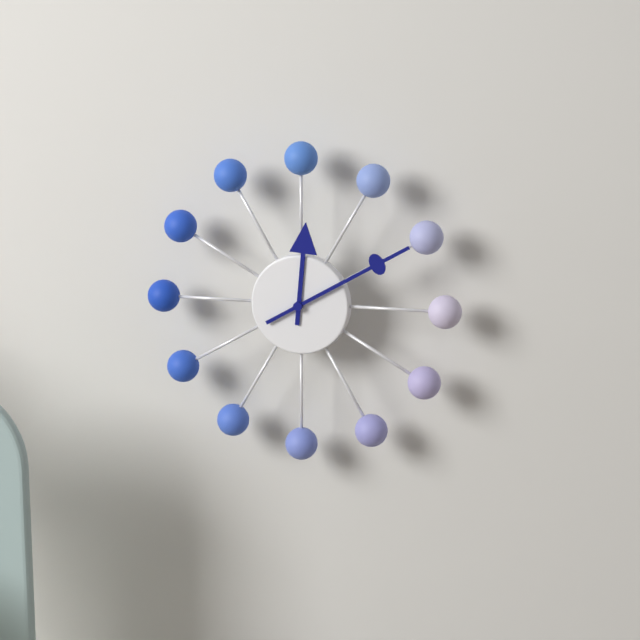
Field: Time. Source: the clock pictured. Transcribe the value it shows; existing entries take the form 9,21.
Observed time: 12,10
